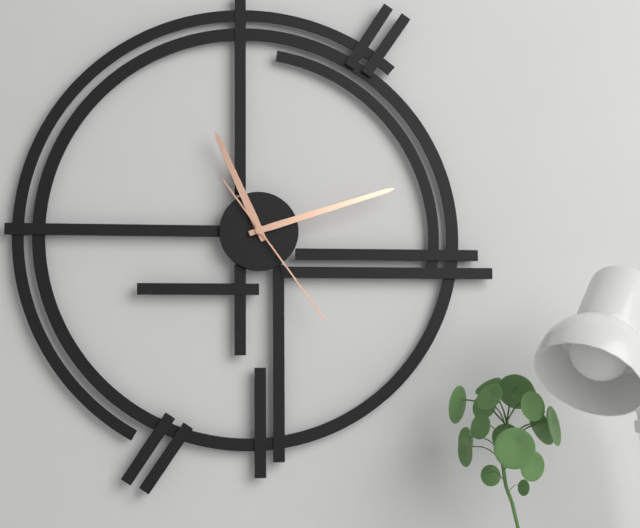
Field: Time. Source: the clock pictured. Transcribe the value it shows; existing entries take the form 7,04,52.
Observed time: 11,12,24
